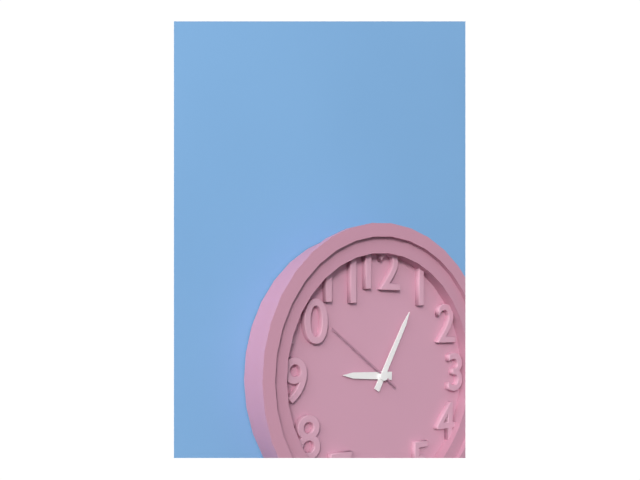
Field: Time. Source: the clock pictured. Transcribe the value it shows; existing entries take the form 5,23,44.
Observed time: 9,05,51
